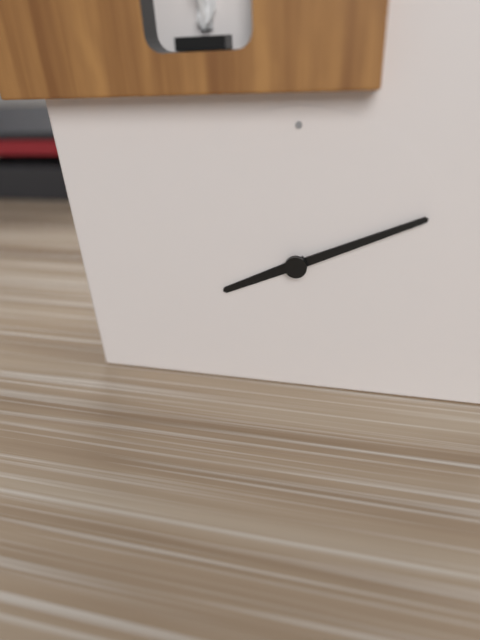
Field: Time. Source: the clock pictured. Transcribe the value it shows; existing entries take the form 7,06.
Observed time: 8,11
